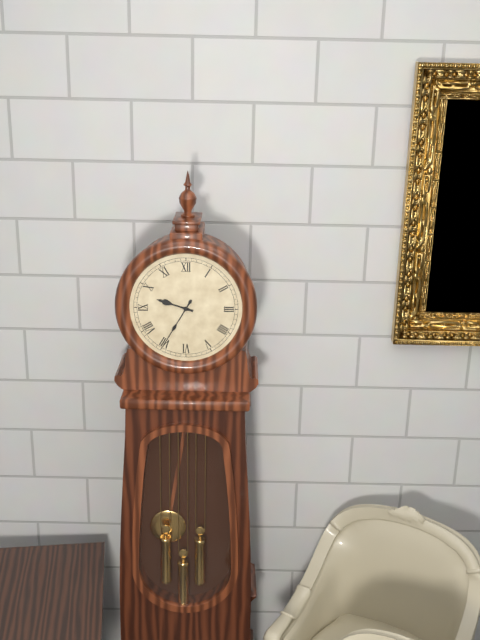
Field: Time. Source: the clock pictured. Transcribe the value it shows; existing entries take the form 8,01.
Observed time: 9,35
